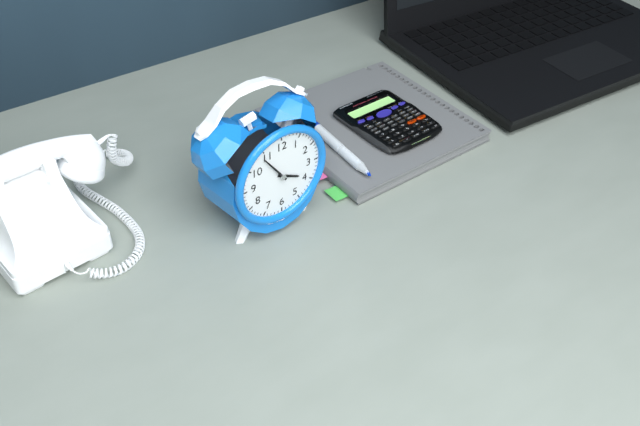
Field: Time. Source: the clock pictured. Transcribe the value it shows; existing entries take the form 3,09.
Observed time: 3,54
